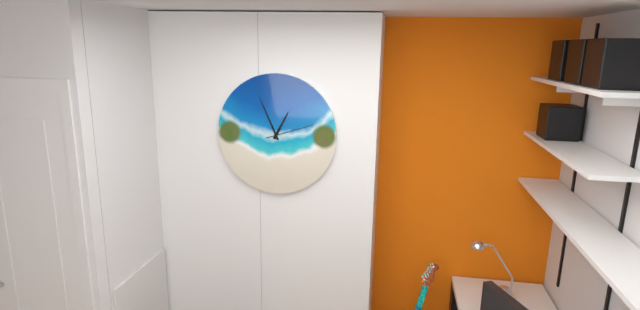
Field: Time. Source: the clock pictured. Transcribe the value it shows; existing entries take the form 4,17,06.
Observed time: 12,56,12
